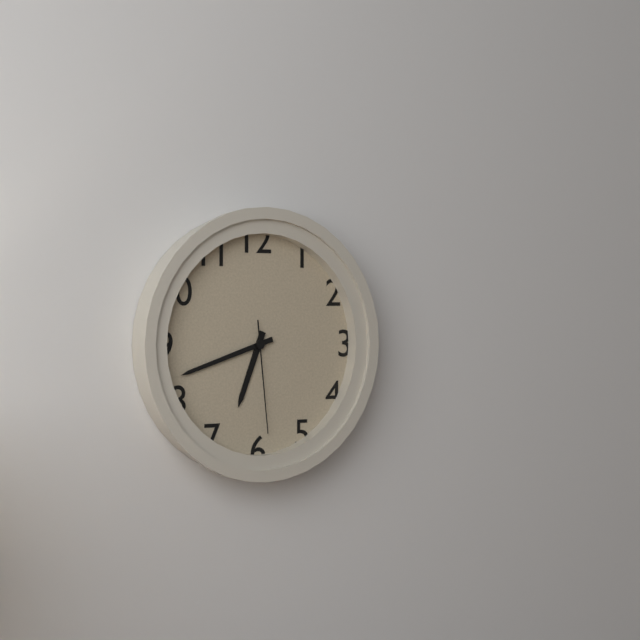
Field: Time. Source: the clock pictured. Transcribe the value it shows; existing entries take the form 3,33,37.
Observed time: 6,42,29
